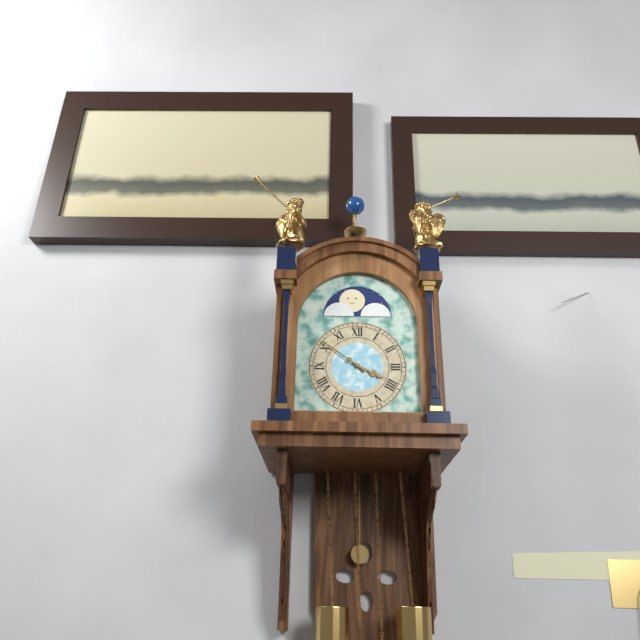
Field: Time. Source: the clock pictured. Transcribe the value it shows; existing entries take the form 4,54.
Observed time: 3,51
